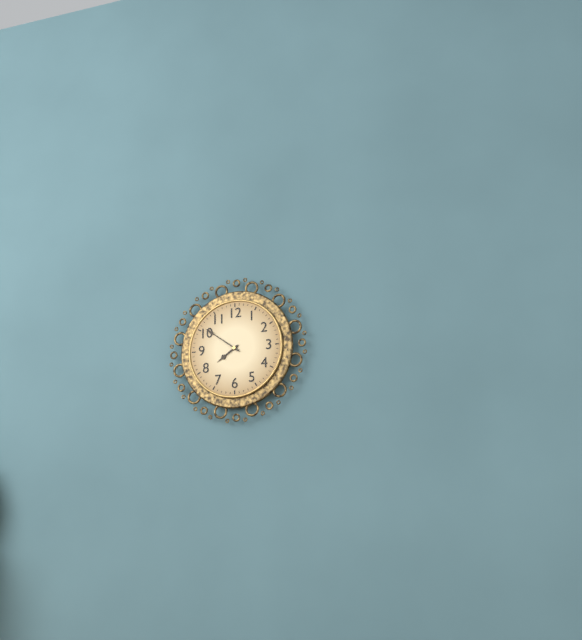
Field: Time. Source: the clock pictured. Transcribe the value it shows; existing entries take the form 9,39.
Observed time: 7,51
